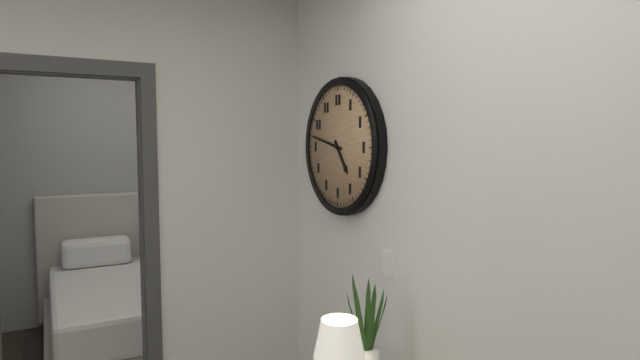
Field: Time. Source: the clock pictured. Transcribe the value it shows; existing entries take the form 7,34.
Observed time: 4,47
